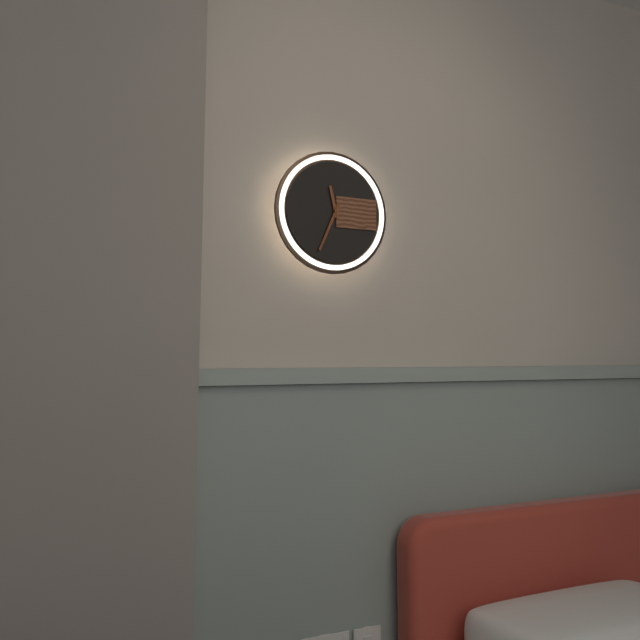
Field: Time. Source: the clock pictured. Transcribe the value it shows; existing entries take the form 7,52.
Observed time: 11,34
